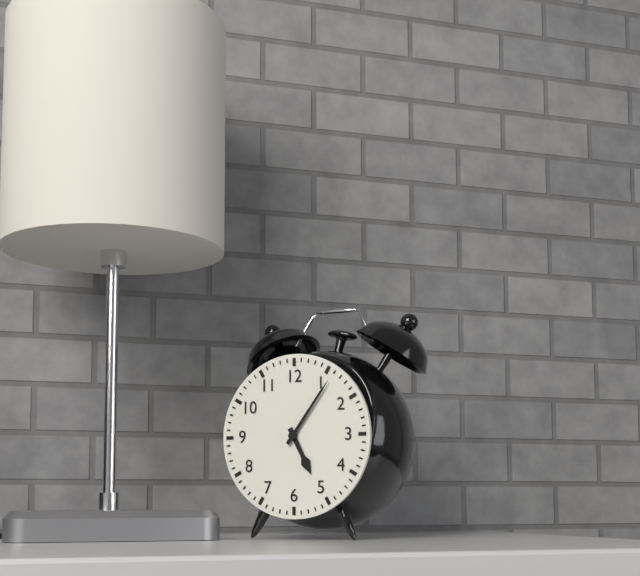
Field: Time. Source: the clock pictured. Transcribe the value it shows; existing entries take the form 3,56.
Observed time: 5,06
